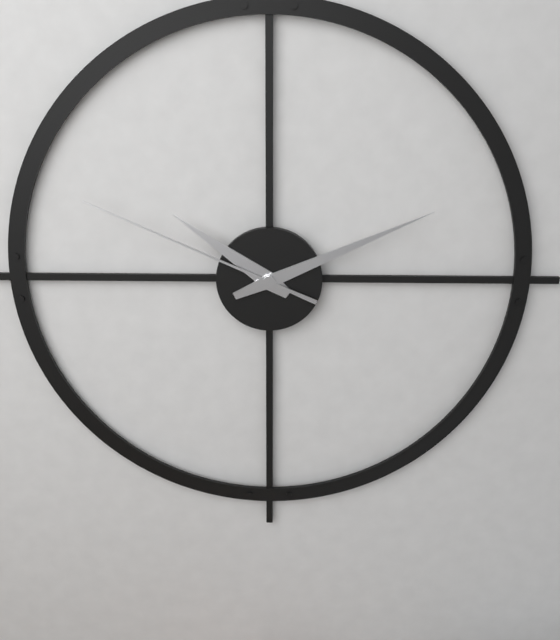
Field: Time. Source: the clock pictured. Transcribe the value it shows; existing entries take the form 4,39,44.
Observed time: 10,11,49
